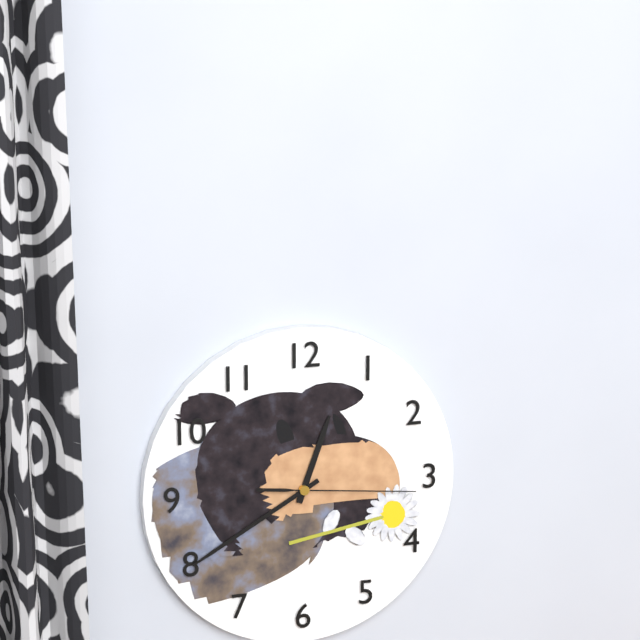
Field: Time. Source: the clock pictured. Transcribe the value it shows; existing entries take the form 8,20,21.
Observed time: 12,40,16
